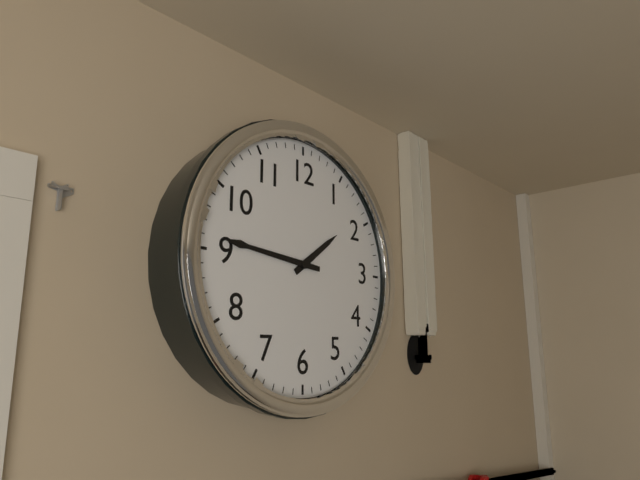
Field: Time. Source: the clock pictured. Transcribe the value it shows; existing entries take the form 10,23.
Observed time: 1,46
